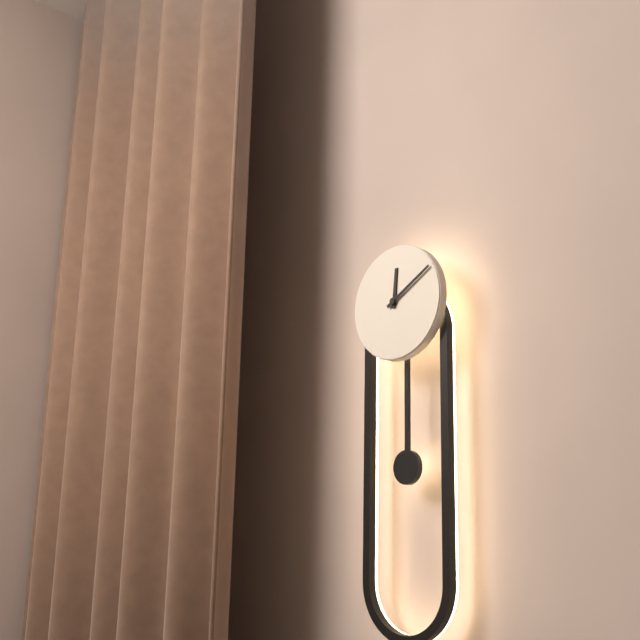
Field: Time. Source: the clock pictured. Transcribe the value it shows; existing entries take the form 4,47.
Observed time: 12,10
